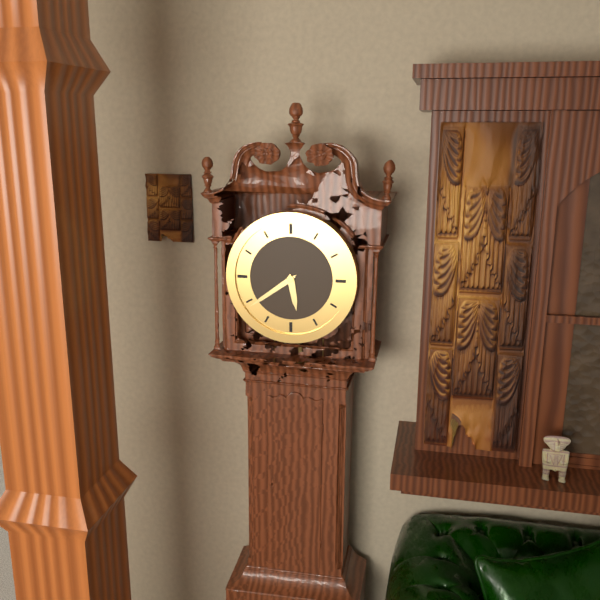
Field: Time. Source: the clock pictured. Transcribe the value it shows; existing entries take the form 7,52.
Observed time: 5,39
